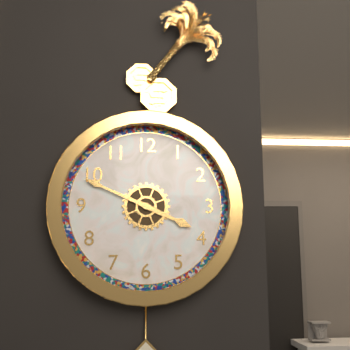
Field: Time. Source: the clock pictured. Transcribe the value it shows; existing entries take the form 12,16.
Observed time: 3,49
